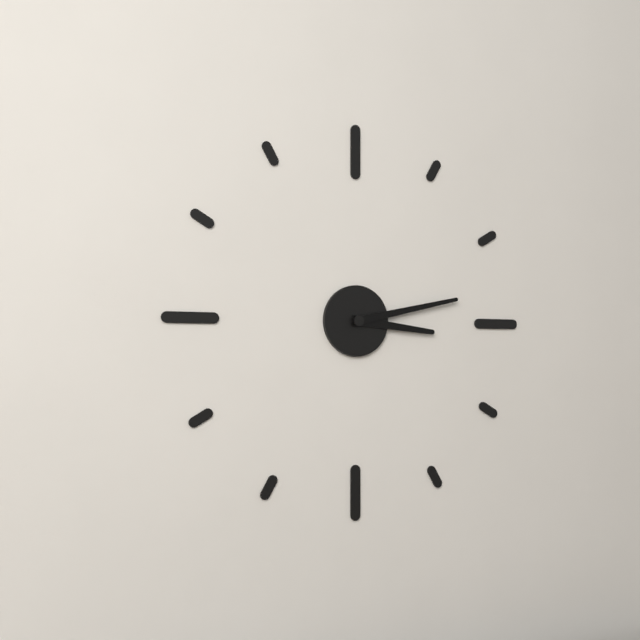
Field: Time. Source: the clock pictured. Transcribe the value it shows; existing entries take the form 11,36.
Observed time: 3,13
